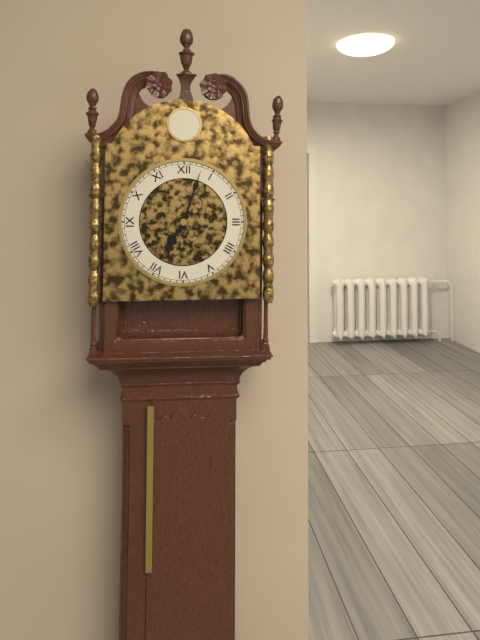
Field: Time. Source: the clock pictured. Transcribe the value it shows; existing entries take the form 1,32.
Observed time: 7,03
